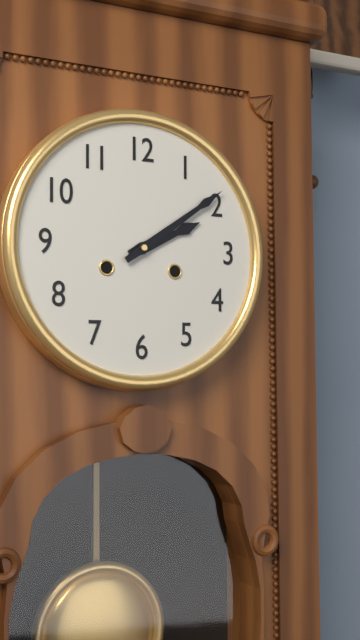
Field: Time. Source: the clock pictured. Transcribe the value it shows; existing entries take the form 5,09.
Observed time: 2,09
